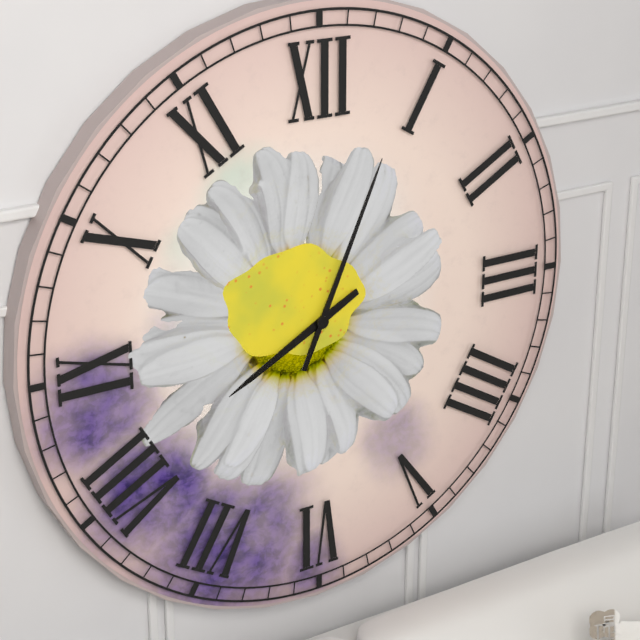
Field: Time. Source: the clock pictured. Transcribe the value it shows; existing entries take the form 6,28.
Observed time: 8,04
